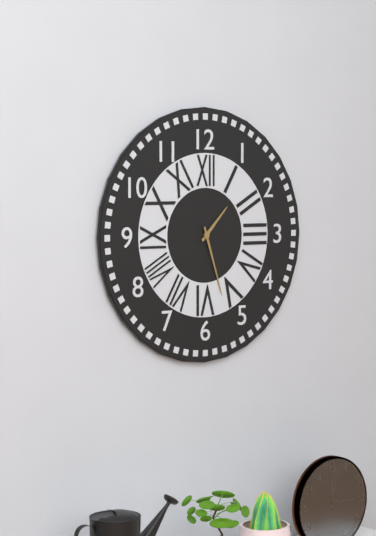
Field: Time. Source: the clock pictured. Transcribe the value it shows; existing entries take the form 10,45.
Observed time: 1,27
